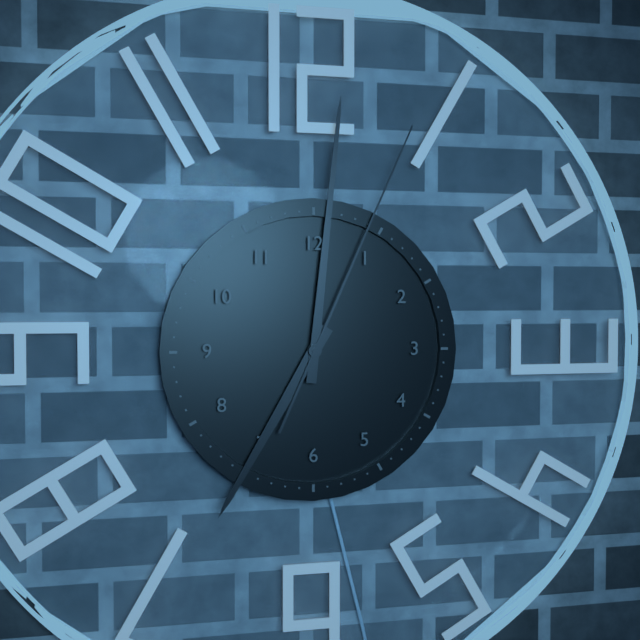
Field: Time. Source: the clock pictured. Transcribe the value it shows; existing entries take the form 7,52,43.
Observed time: 7,01,04
